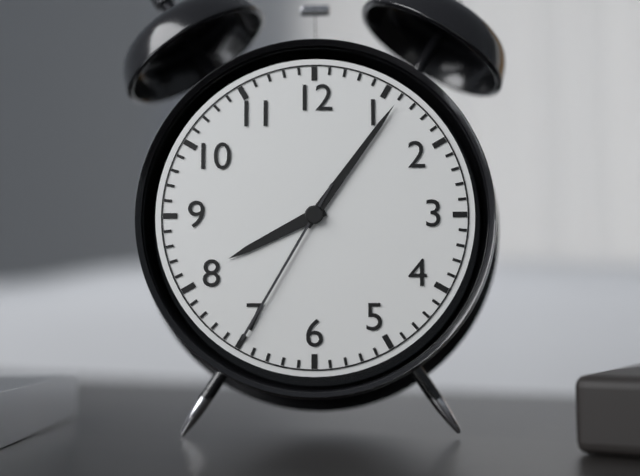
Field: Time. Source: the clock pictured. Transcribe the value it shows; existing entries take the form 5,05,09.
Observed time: 8,06,35
